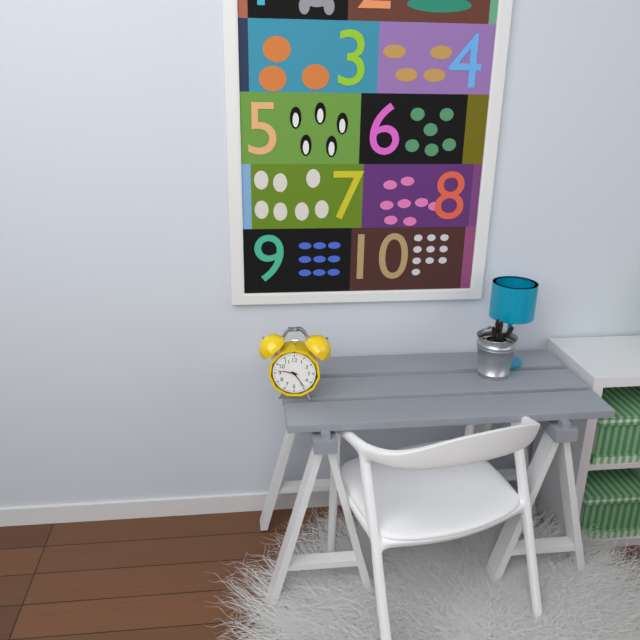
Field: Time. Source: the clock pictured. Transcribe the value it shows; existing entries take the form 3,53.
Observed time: 9,24
